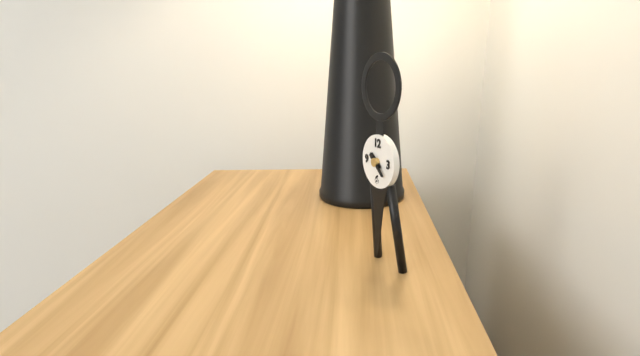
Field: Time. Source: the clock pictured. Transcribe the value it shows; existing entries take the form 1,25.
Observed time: 10,22
